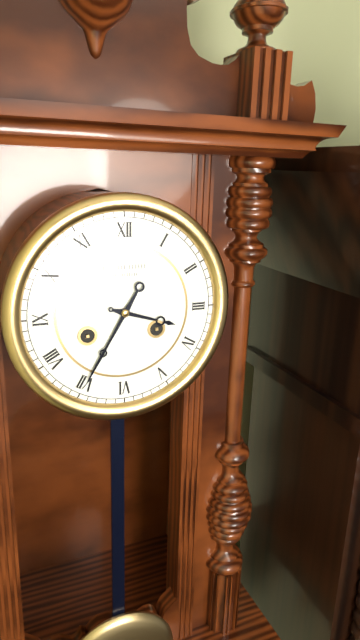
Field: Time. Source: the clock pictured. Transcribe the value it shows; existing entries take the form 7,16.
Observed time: 3,35
